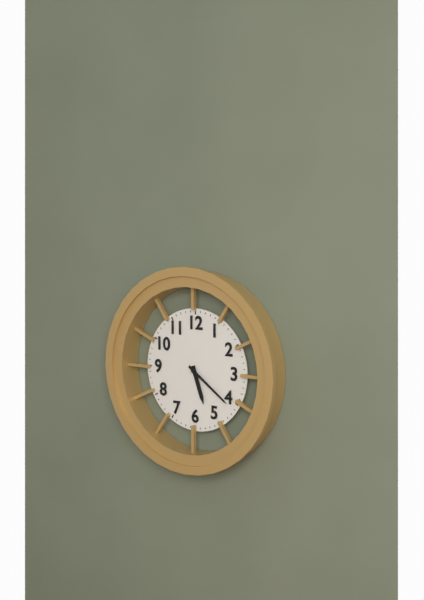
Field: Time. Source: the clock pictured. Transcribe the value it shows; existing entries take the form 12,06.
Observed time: 5,21
